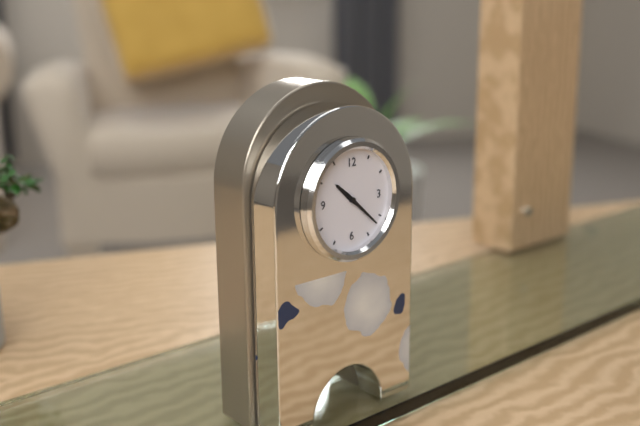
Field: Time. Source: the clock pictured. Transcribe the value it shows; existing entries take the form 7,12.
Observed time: 10,22
